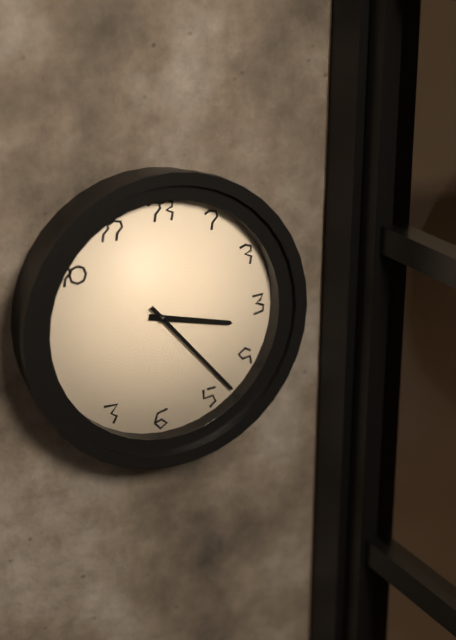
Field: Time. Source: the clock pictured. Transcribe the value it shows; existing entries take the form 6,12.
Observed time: 3,23
